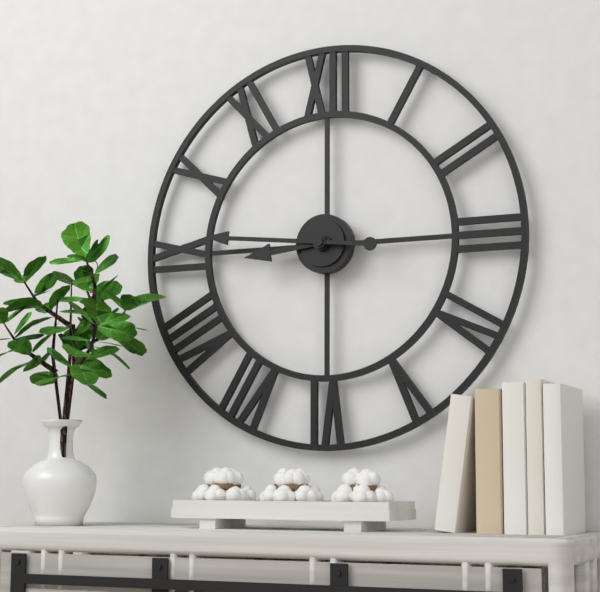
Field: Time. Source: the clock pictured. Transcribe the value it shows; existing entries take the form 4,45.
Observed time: 8,46
